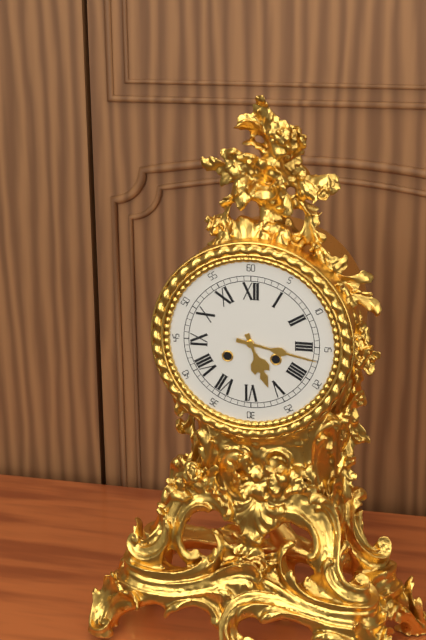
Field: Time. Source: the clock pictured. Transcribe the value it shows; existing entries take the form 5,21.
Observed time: 5,17
